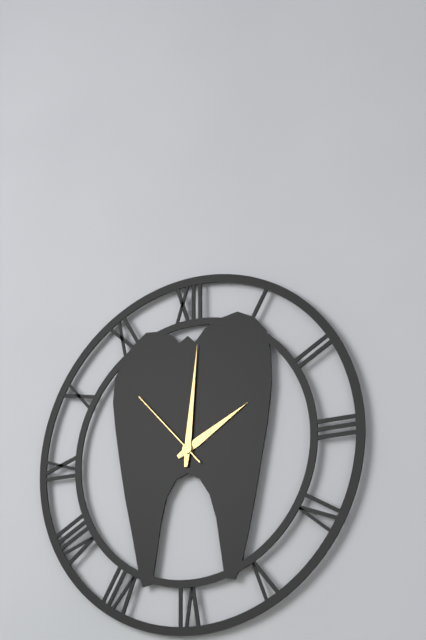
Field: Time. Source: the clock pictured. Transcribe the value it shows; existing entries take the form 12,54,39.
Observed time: 2,01,53
